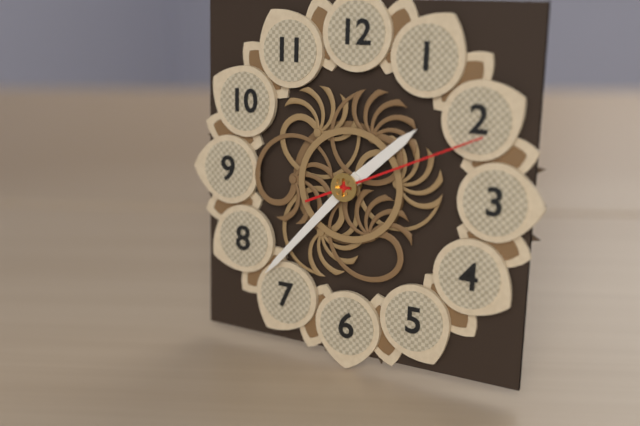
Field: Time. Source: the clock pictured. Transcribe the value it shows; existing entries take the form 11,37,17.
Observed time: 1,37,11
